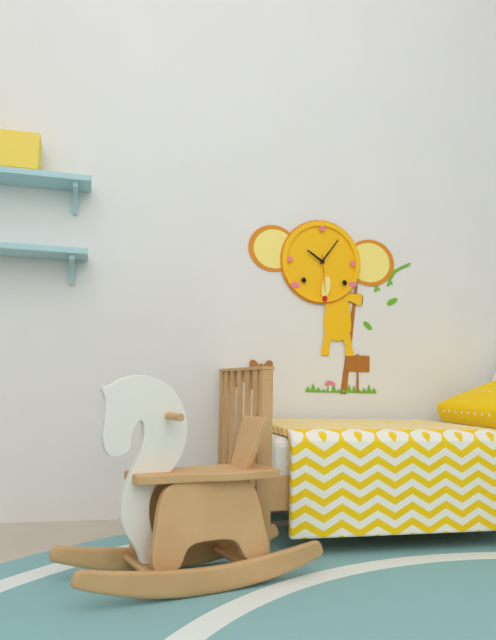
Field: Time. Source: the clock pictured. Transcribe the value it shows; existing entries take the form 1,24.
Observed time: 10,06
